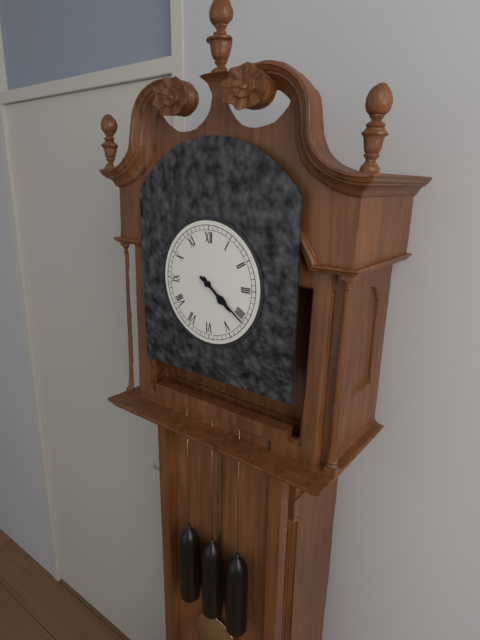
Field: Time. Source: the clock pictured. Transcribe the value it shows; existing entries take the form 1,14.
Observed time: 4,21
